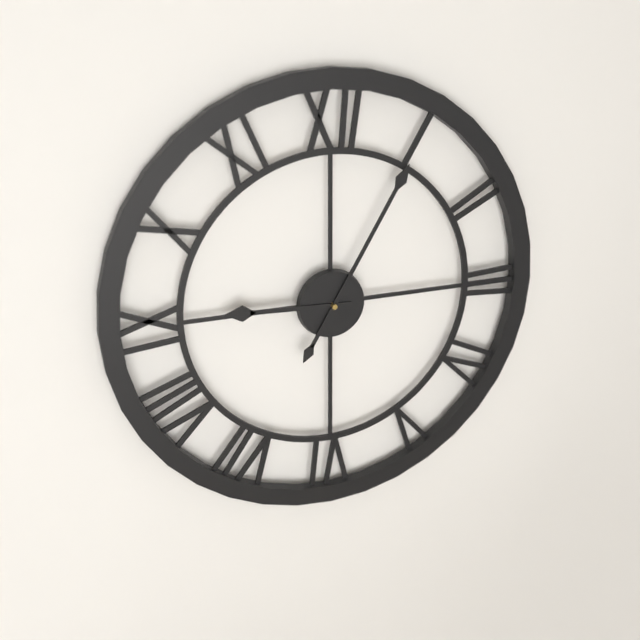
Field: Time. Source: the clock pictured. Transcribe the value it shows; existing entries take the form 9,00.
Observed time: 9,05
